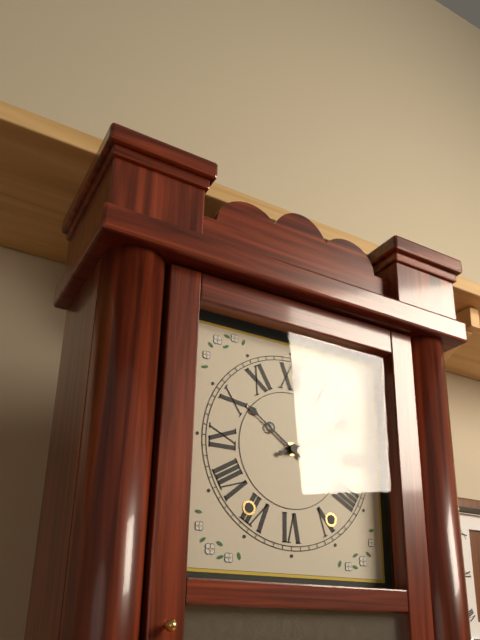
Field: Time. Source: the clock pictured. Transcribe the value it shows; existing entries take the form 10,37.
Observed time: 10,11
